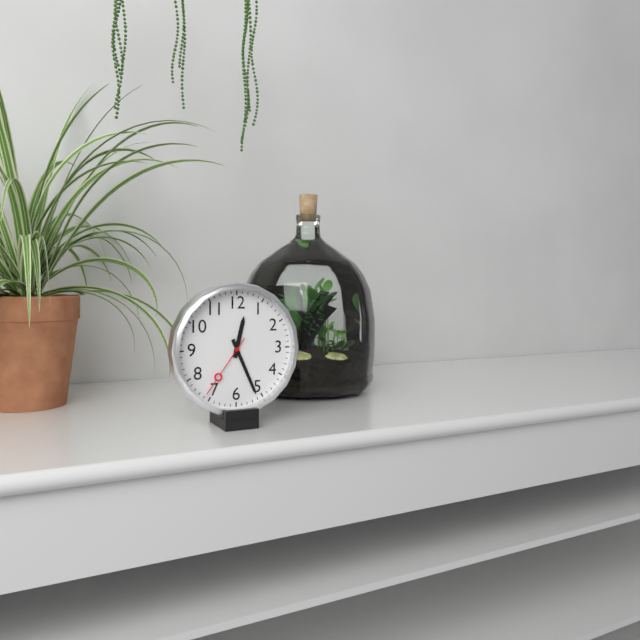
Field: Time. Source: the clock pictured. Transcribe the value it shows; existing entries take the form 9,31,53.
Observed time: 12,26,36
